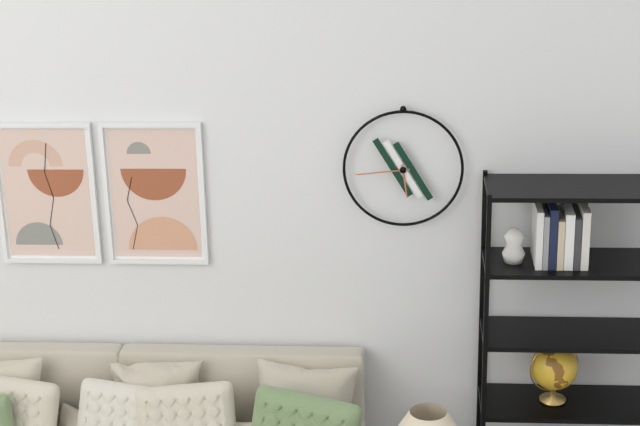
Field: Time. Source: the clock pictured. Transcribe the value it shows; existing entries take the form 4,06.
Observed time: 5,44
